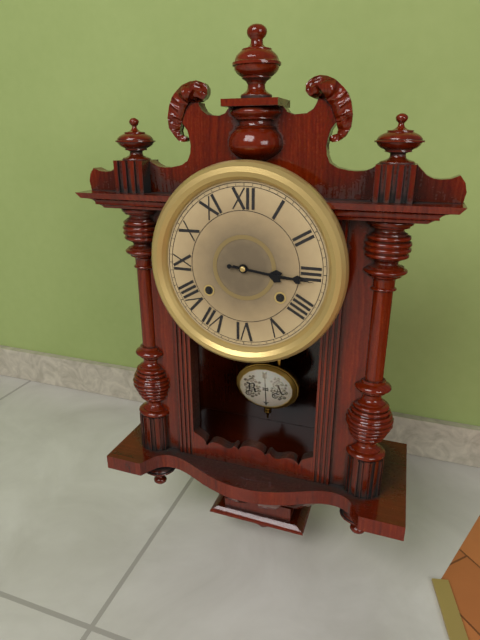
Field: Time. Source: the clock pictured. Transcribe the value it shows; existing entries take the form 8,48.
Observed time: 3,16
